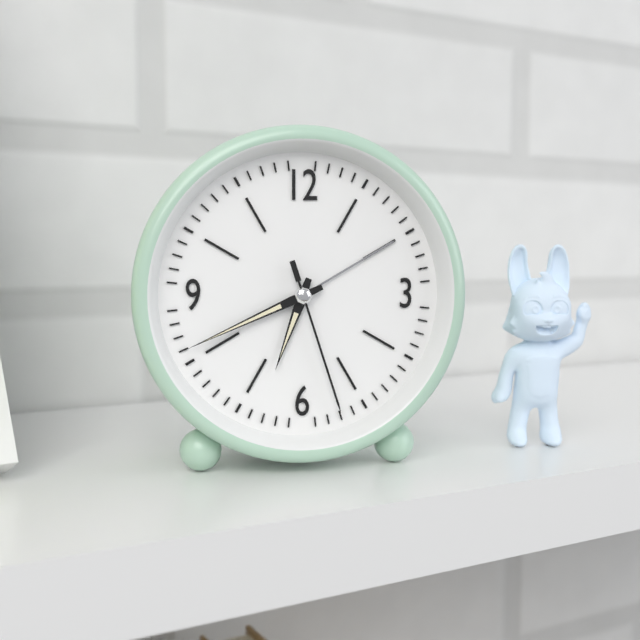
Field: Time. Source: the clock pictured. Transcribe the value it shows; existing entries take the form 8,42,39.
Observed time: 6,41,27
